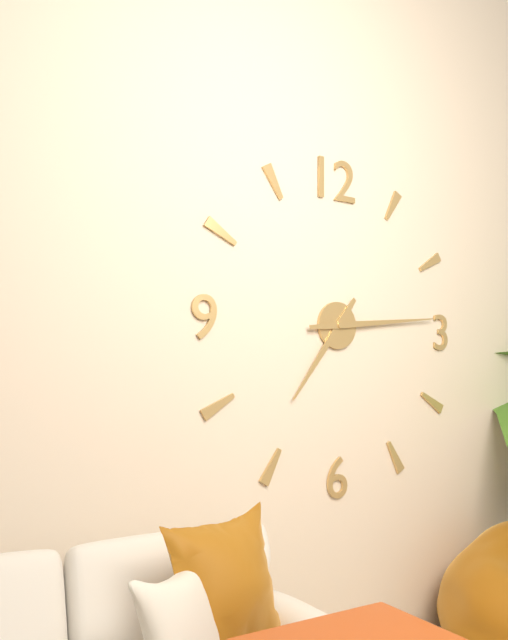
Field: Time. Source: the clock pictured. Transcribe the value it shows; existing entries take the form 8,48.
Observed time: 7,14
